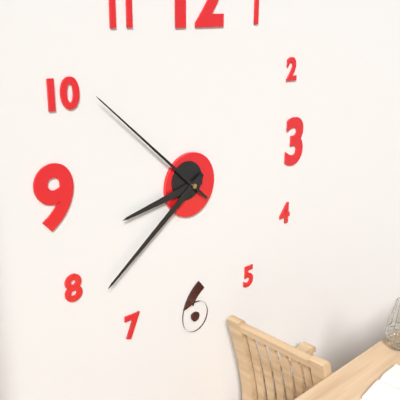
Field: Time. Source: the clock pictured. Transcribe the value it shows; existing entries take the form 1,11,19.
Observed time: 8,39,52
